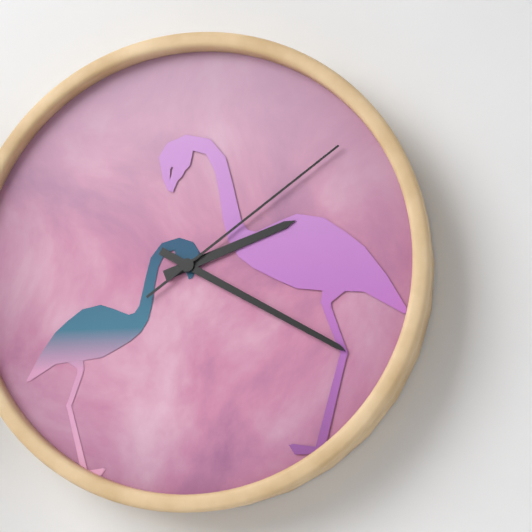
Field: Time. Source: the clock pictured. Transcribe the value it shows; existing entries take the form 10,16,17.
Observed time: 2,20,09
